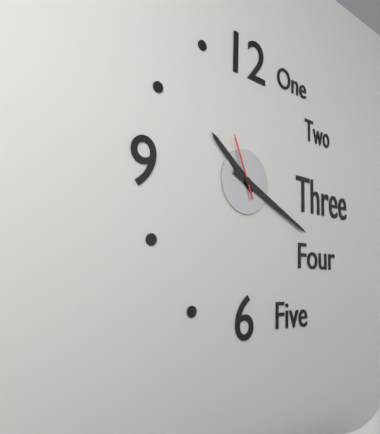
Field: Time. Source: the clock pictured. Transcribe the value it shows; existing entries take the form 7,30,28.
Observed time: 10,19,56
